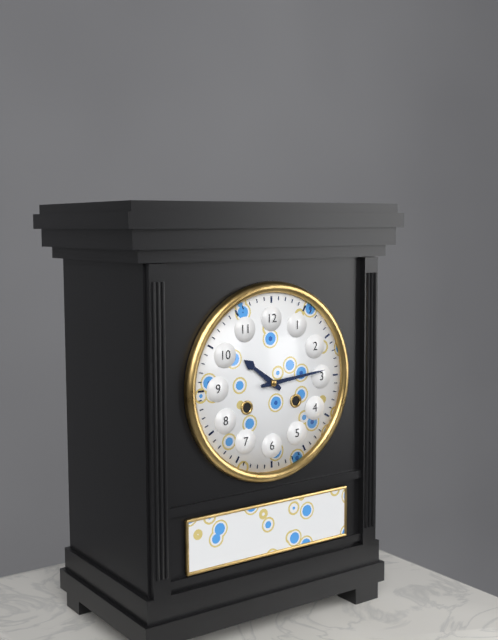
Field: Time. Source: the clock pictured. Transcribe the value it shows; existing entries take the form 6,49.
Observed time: 10,14
